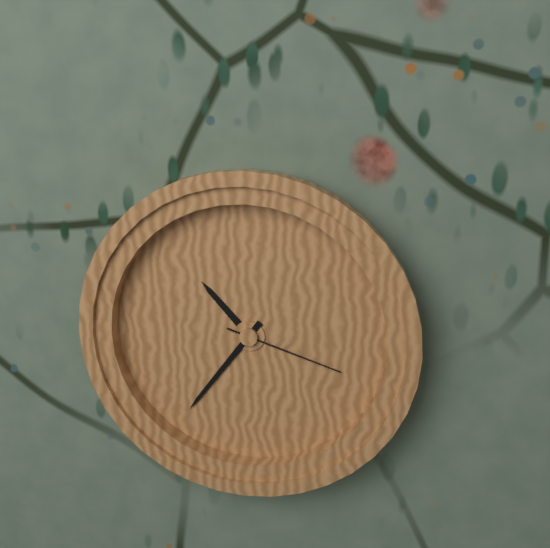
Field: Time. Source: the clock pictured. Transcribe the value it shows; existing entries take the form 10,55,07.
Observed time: 10,36,18
